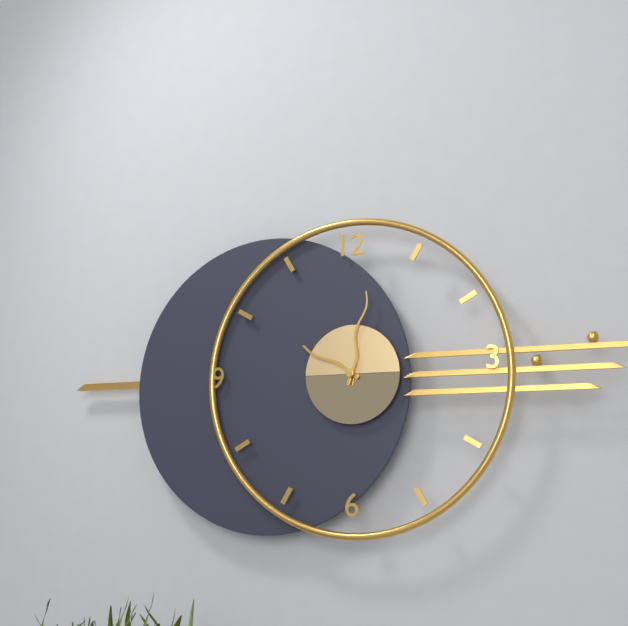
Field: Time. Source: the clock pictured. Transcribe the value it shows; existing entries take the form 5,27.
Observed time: 10,02
